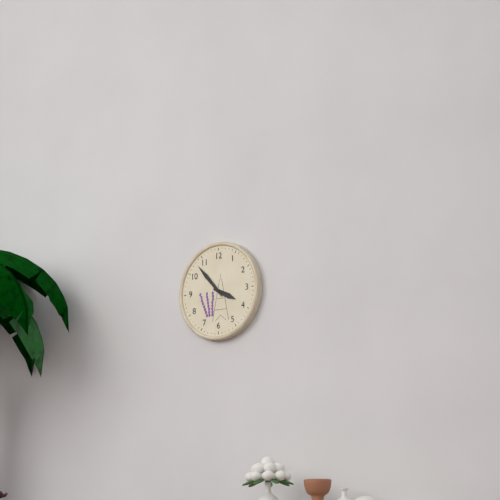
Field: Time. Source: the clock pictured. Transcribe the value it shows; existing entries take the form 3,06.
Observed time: 3,53
